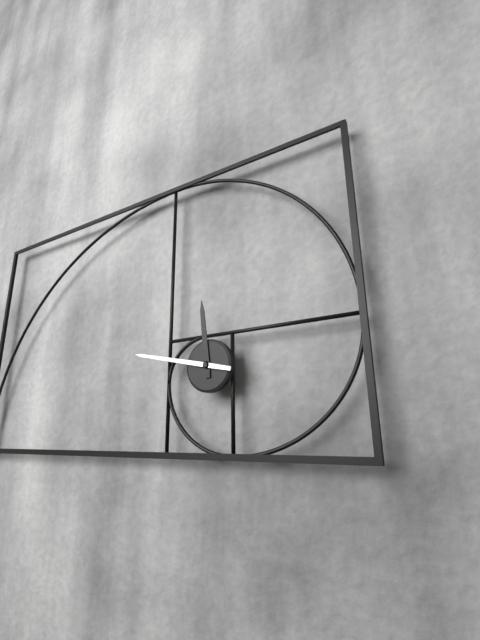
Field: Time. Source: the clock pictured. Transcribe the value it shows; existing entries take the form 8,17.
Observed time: 11,47
